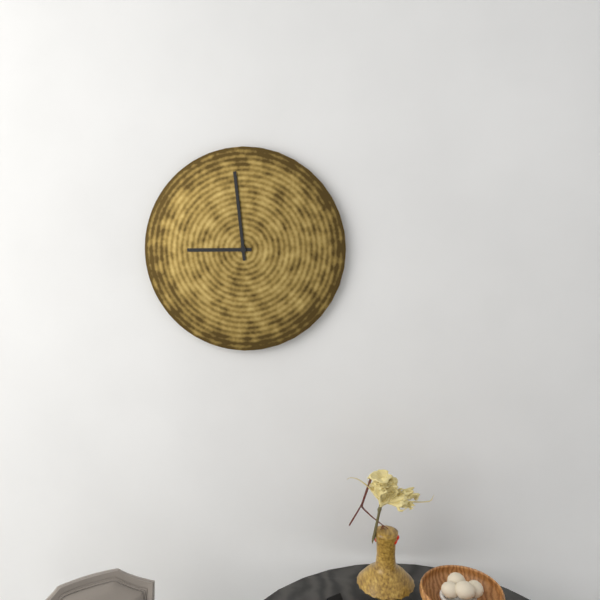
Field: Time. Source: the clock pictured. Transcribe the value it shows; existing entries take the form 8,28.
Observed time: 8,59
